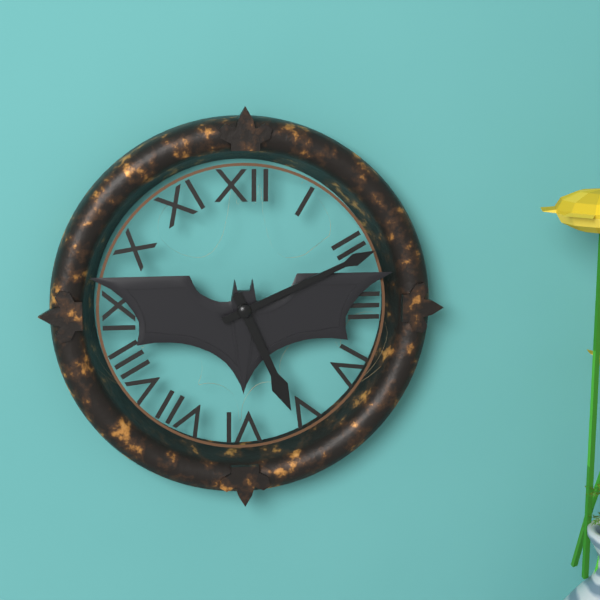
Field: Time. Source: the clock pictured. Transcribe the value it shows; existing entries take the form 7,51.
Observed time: 5,11
